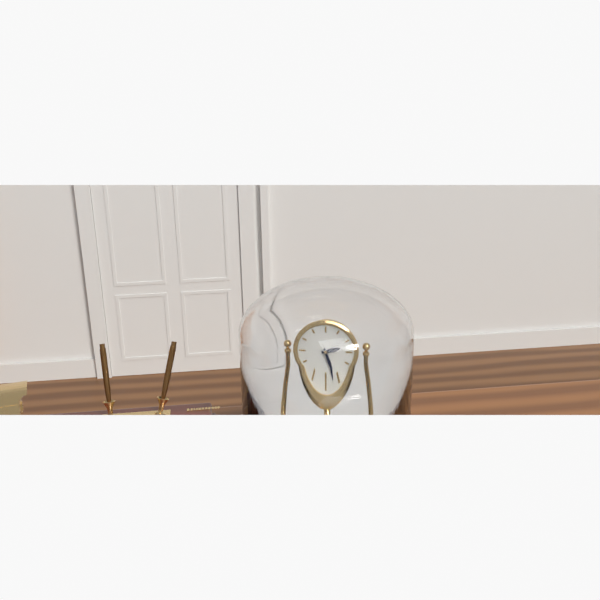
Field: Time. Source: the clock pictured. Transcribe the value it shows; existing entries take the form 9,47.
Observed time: 2,27
